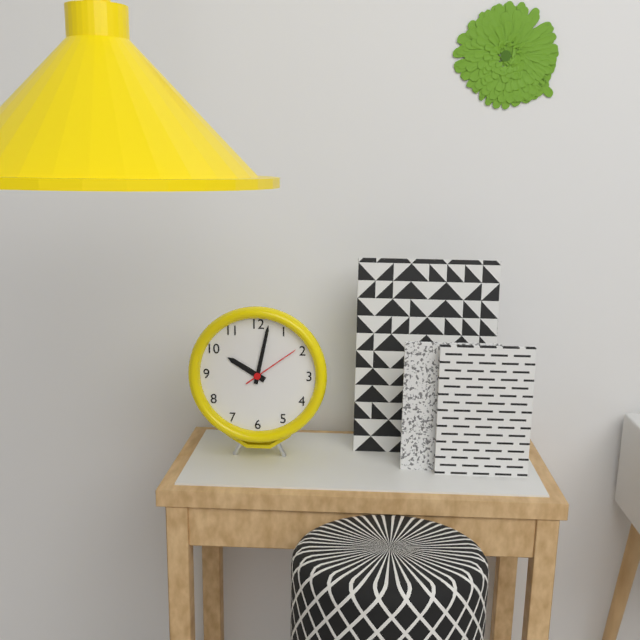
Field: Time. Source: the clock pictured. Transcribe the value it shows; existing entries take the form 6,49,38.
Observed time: 10,02,09
